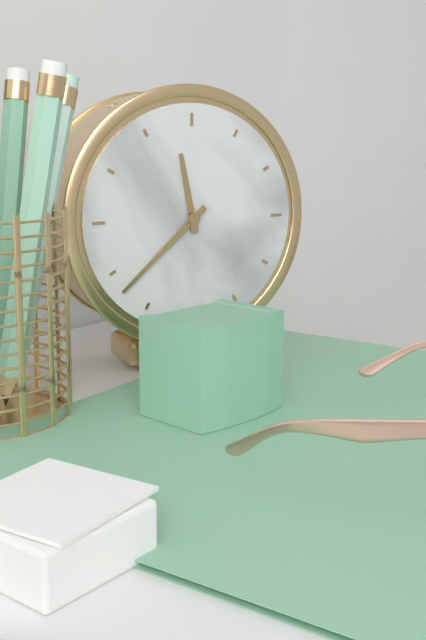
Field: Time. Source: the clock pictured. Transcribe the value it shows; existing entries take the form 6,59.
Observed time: 11,38
